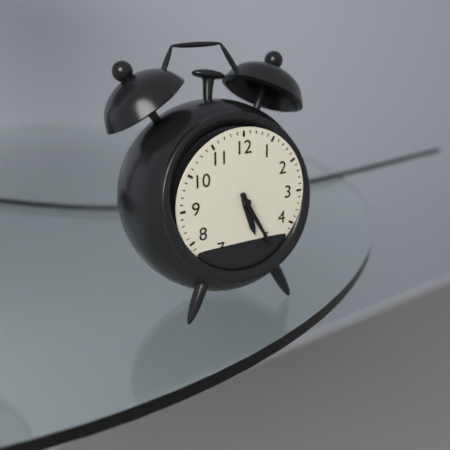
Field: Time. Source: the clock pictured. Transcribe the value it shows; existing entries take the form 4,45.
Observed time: 5,25
